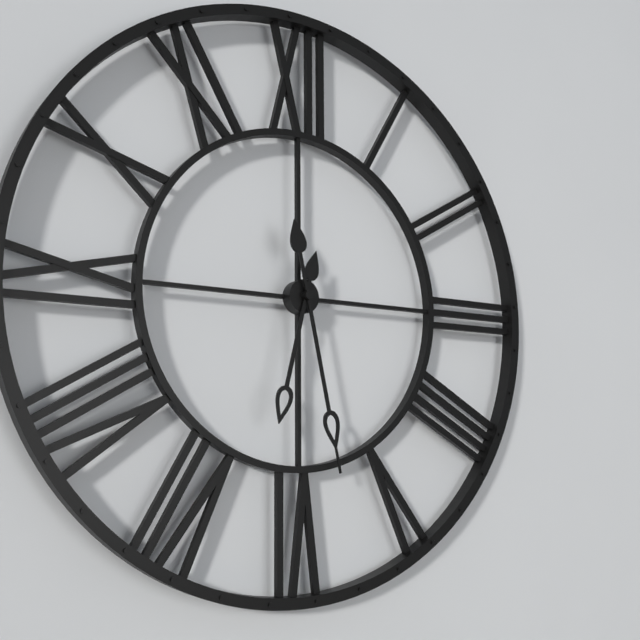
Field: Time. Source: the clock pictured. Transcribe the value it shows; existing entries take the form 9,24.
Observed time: 6,28
